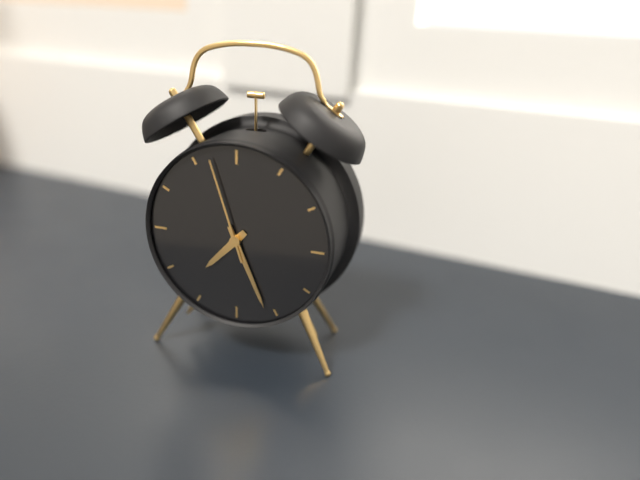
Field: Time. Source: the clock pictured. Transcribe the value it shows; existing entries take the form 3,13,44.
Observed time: 7,26,57
